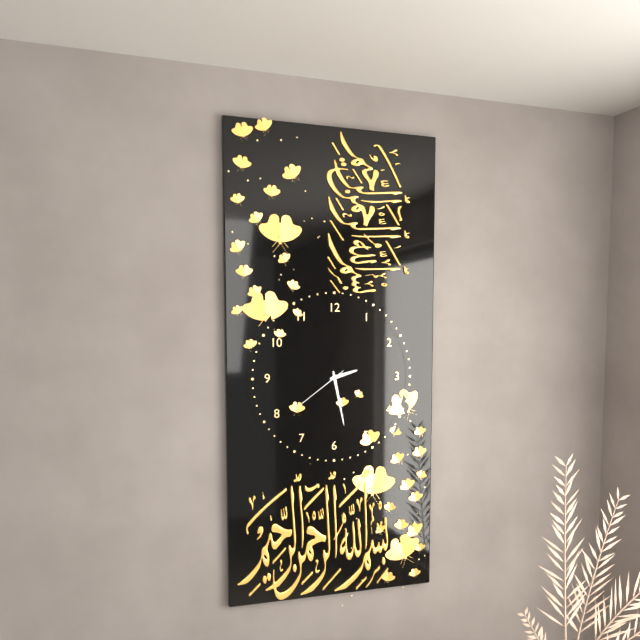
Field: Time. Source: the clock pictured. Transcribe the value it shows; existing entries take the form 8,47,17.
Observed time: 2,28,39
